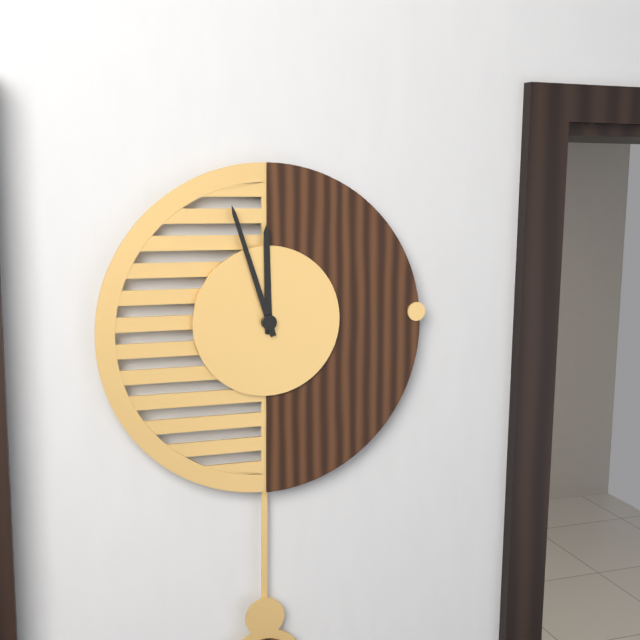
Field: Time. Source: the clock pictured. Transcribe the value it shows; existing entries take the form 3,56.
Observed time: 11,57
